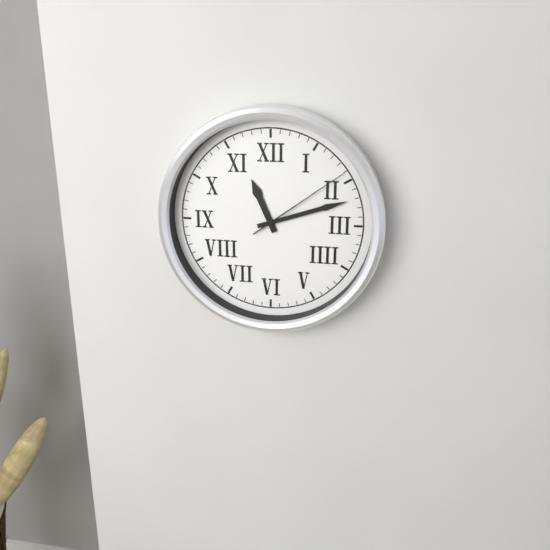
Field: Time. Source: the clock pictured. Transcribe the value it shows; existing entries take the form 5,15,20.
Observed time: 11,12,09
